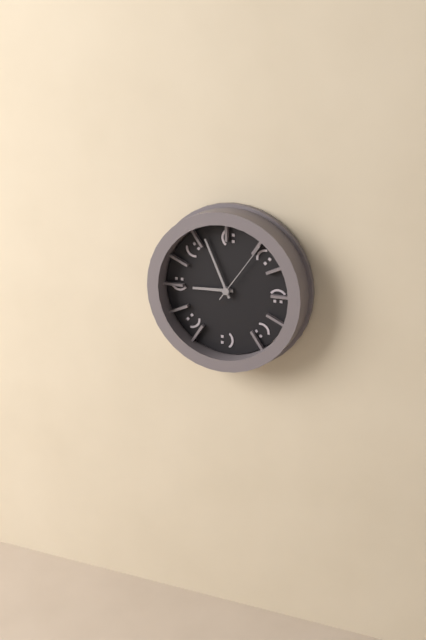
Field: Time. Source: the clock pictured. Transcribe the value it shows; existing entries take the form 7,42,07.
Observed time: 8,56,06
